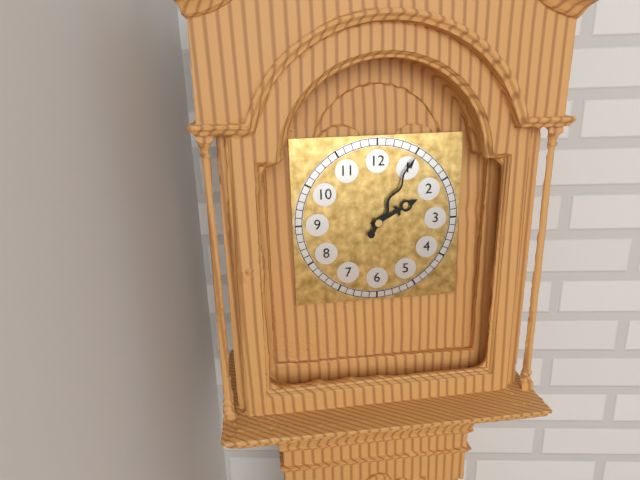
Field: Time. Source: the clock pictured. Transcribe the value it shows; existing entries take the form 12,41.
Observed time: 2,05
